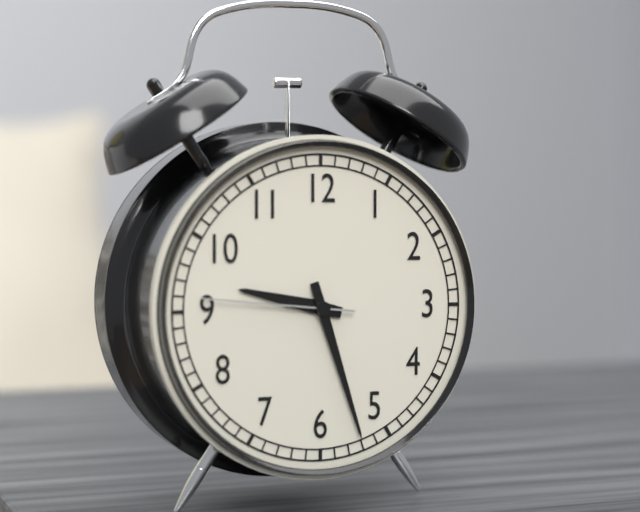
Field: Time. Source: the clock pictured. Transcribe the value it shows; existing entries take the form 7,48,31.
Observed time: 9,27,46
